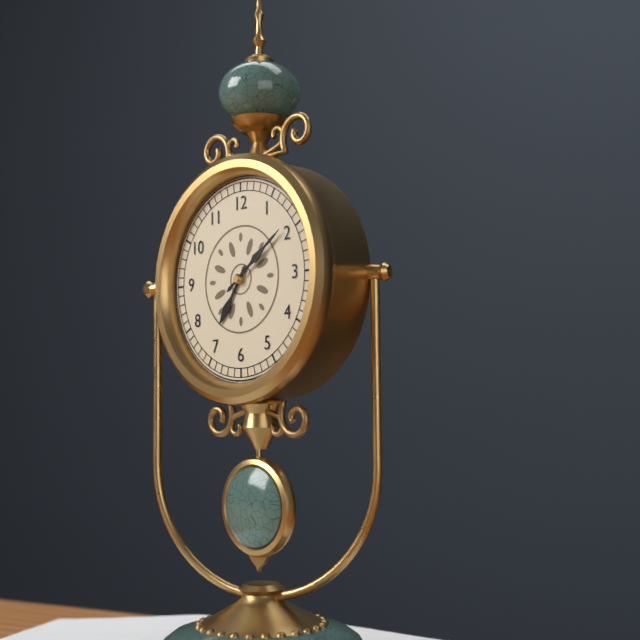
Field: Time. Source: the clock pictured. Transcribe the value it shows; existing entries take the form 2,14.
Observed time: 7,09
